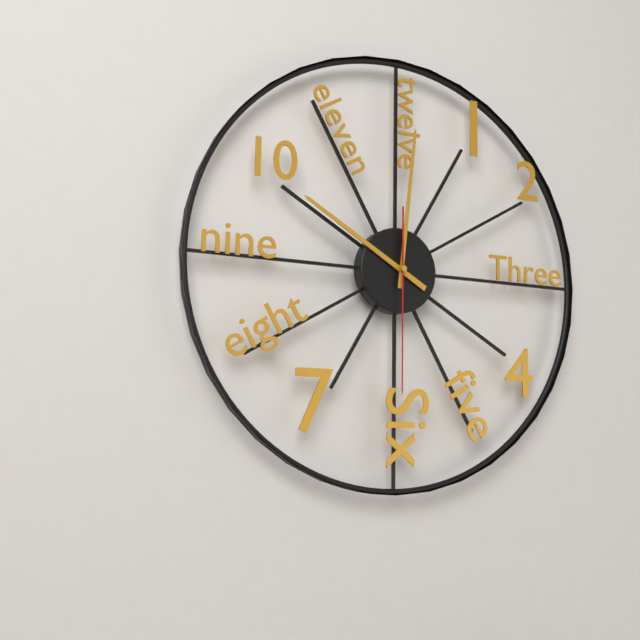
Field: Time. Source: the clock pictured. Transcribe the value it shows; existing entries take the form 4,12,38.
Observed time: 10,01,30
